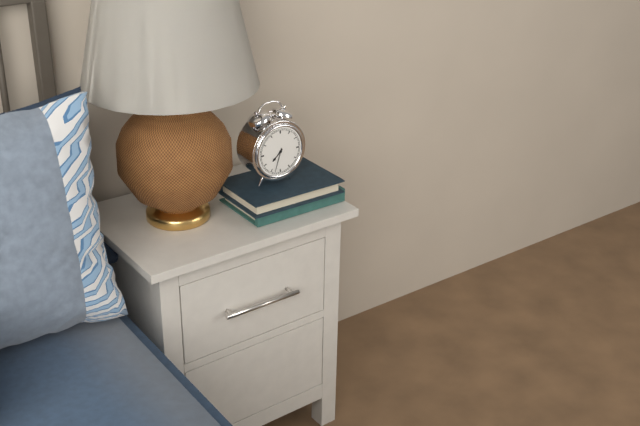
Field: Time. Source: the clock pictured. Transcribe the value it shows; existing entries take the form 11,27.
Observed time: 7,33
